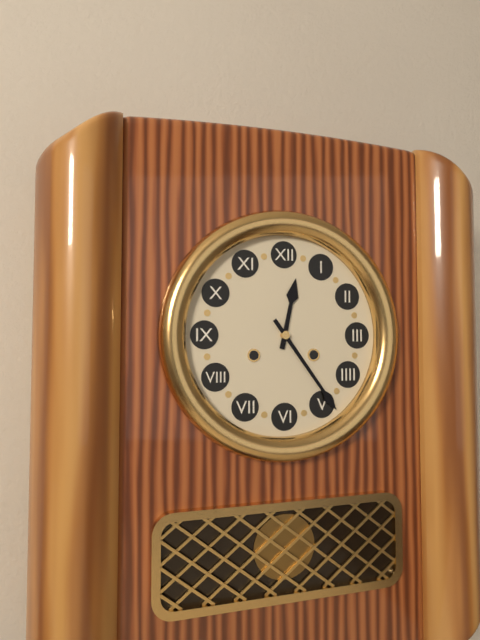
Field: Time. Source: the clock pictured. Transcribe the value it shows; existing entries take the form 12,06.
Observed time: 12,24
